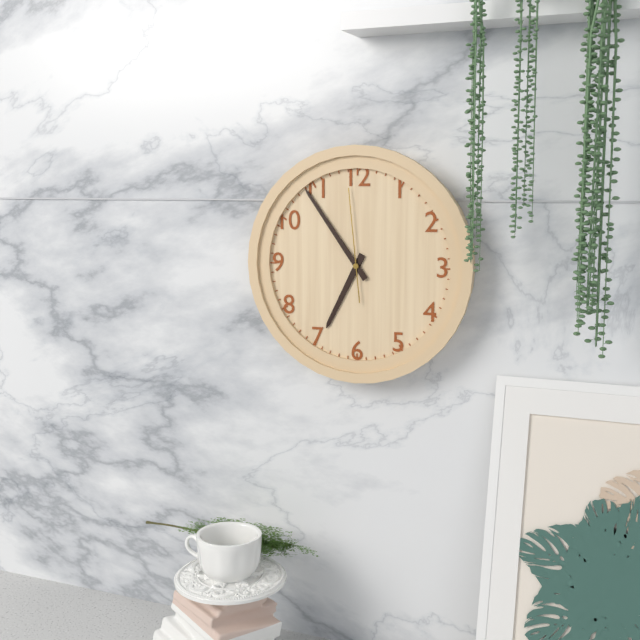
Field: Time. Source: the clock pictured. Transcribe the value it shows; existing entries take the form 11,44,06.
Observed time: 6,54,59
